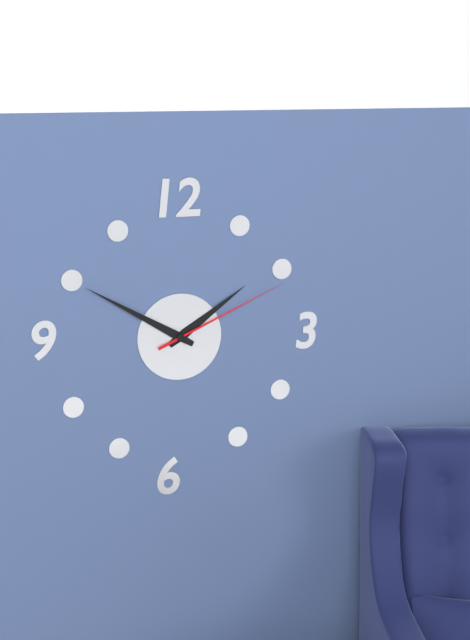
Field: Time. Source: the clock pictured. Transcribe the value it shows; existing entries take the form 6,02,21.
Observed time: 1,50,11
